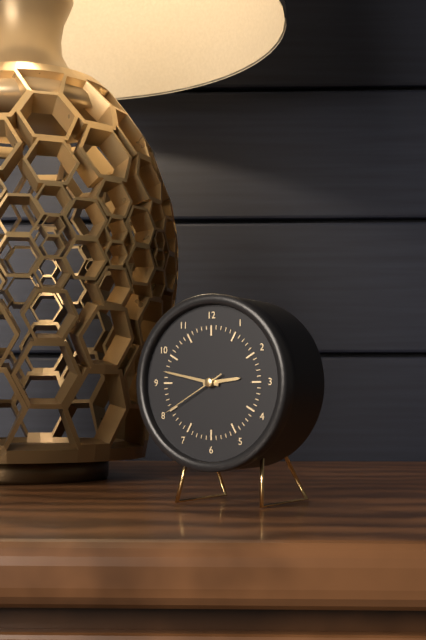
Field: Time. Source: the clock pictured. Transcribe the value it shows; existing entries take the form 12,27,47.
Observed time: 2,47,40
